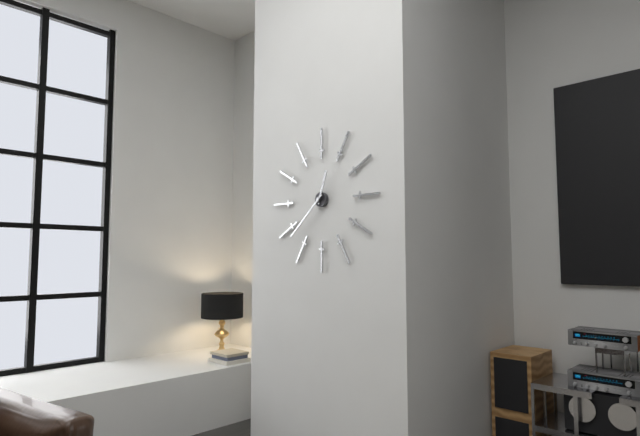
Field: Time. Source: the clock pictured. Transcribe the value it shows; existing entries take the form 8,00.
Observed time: 12,38
